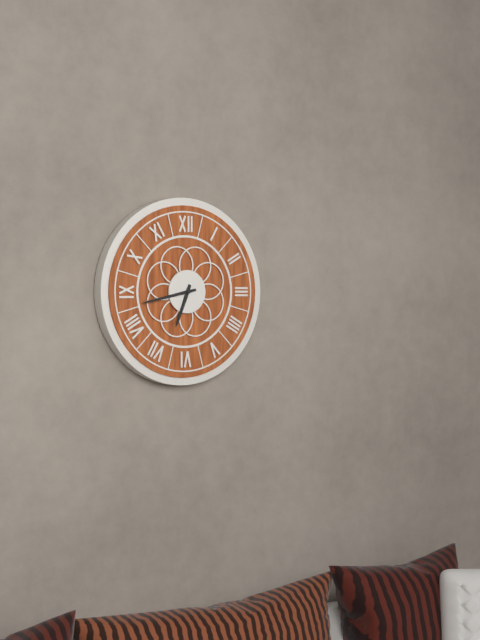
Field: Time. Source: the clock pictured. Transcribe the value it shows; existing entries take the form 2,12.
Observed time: 6,43
